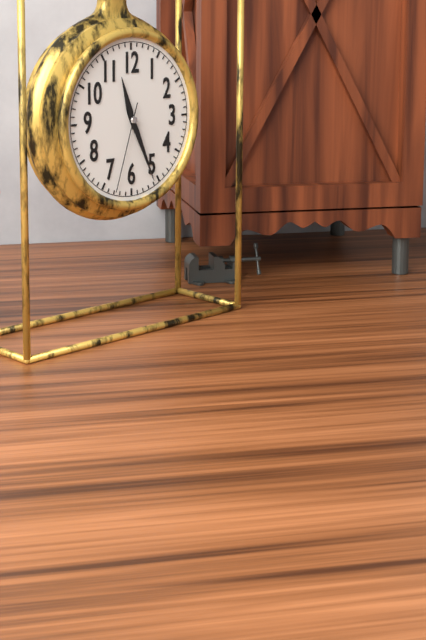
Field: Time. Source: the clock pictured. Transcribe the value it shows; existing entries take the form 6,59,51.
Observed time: 11,26,33
